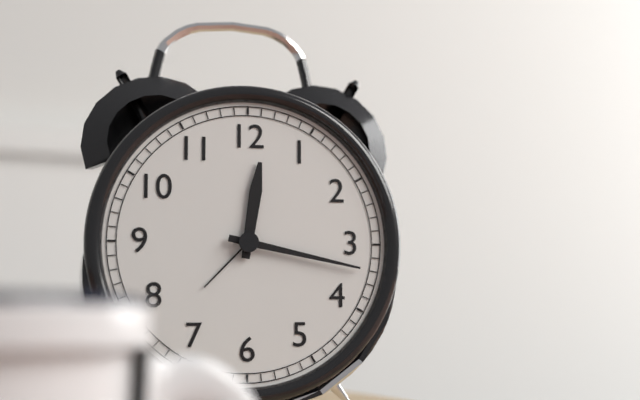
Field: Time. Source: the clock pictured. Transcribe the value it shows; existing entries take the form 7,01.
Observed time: 12,17
